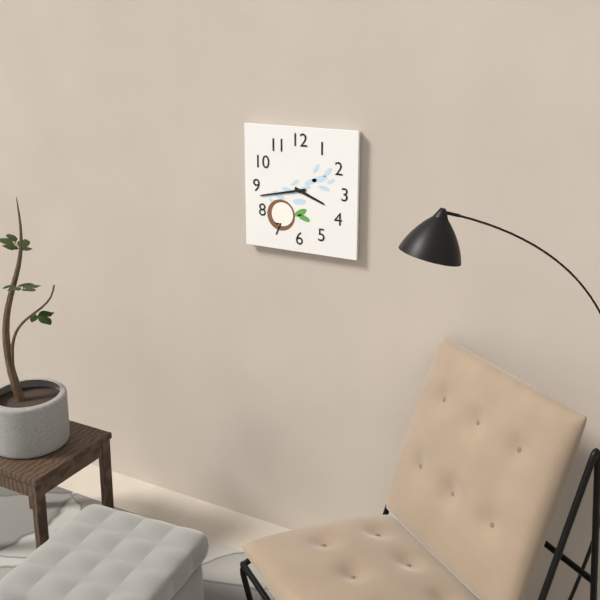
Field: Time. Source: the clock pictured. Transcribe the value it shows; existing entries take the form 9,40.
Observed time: 3,43
